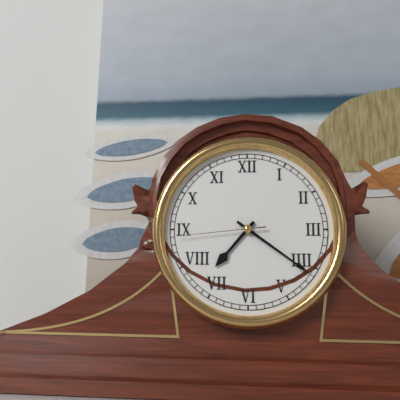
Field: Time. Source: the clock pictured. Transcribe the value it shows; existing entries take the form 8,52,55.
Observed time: 7,21,44
